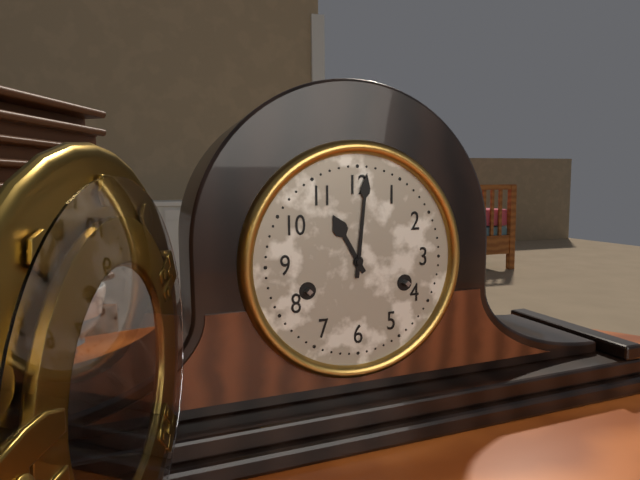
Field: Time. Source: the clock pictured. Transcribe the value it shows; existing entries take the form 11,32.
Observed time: 11,01
